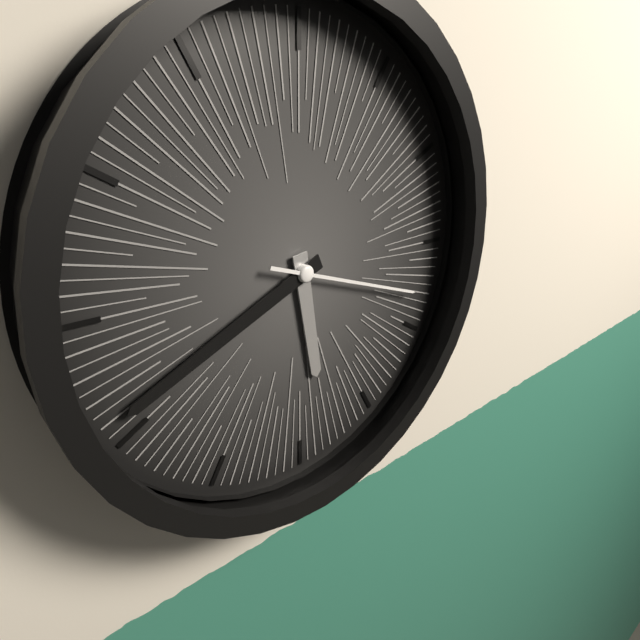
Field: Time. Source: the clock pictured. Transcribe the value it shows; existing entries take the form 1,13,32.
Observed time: 5,41,18
